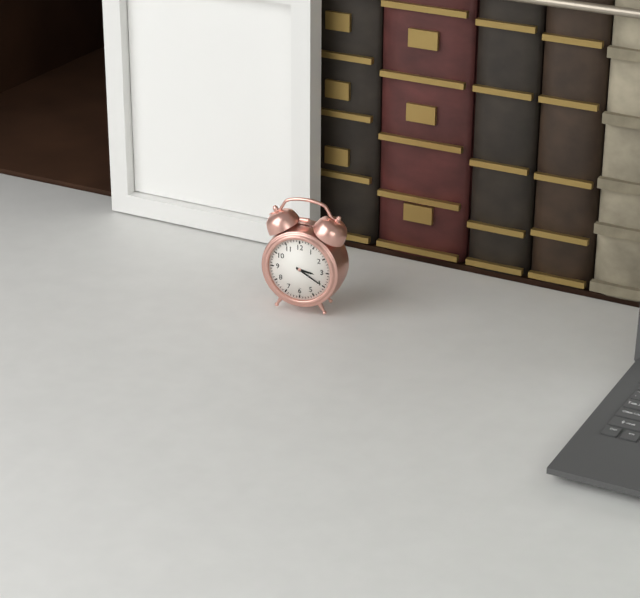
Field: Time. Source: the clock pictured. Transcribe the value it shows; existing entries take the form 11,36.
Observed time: 3,20
